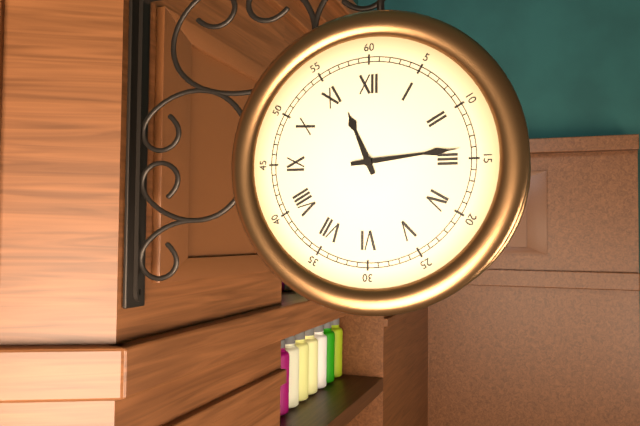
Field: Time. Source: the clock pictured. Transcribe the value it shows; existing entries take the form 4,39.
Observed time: 11,14
